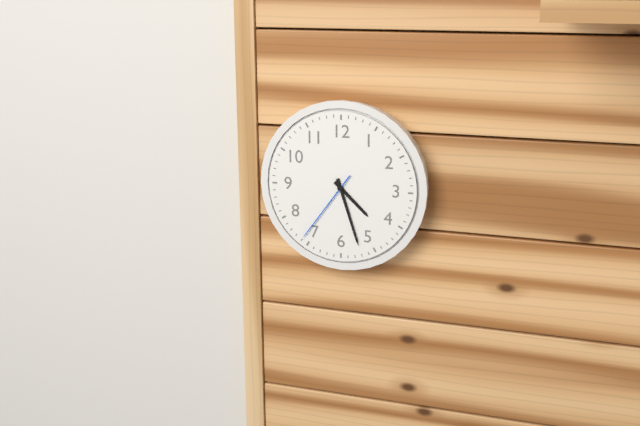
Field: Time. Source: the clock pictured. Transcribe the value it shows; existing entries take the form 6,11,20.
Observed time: 4,27,36
